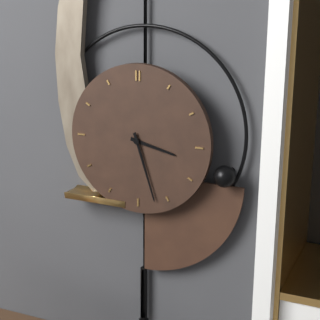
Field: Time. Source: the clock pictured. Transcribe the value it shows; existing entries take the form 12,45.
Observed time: 3,27
